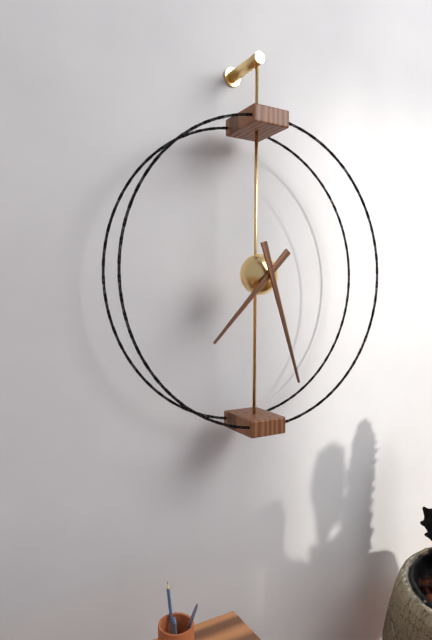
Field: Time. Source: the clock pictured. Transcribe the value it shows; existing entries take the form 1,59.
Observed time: 7,27
